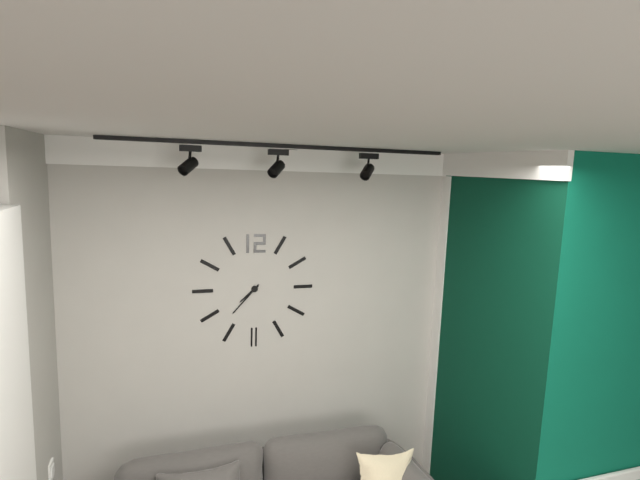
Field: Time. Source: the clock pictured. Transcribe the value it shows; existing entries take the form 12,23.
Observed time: 7,37
